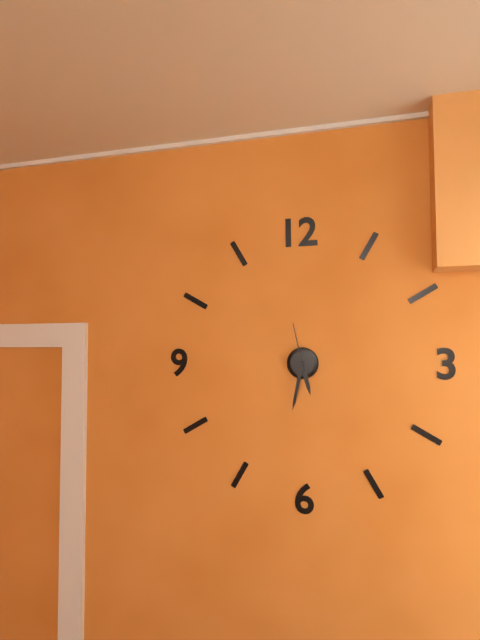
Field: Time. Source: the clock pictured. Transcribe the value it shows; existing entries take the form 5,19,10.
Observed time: 5,32,58
